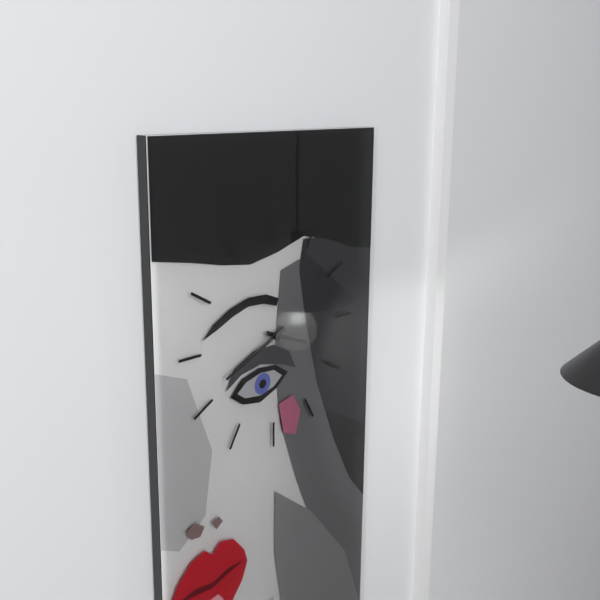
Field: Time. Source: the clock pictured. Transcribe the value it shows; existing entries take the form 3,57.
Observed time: 3,41
